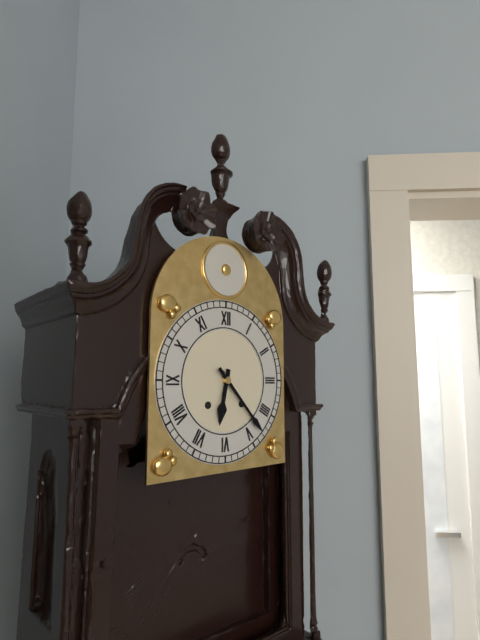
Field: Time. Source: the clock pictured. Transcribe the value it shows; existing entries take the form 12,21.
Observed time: 6,23
